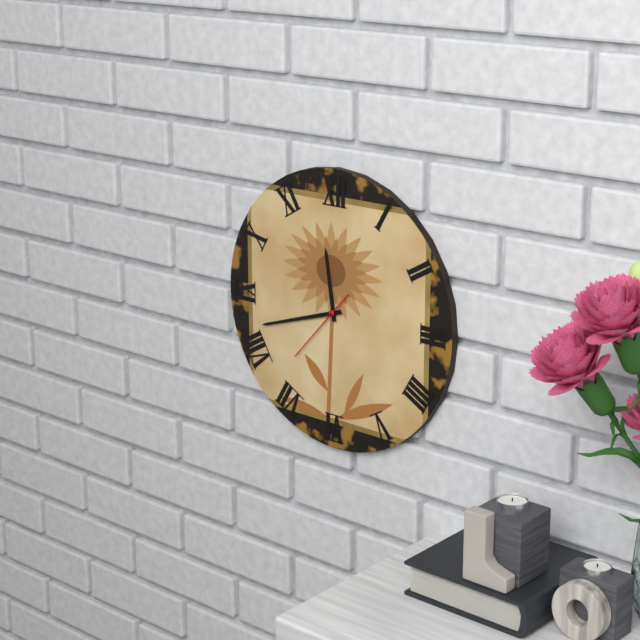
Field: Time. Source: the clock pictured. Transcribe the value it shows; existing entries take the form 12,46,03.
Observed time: 11,42,37
